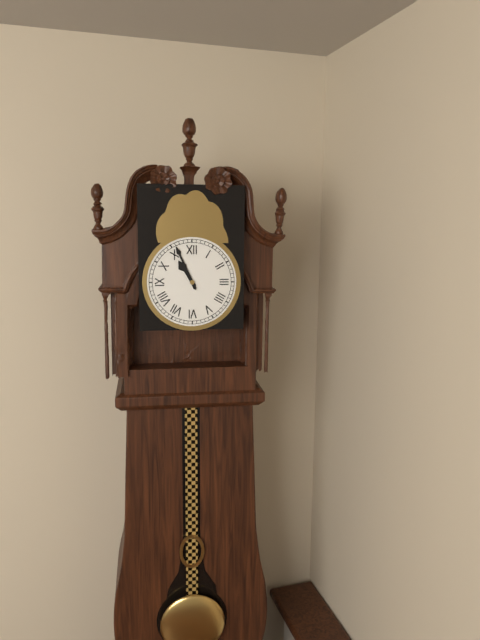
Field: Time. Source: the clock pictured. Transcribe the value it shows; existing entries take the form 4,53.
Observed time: 10,56
